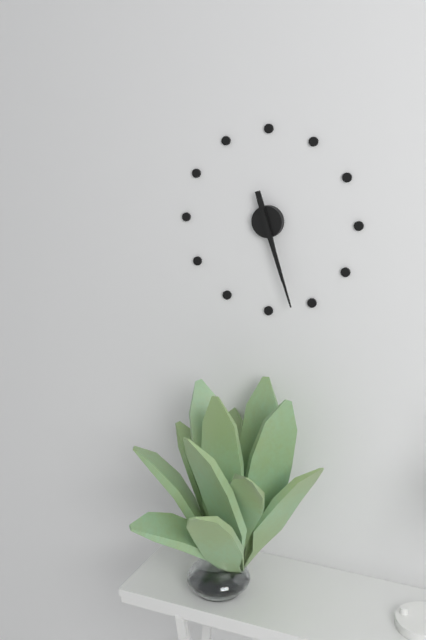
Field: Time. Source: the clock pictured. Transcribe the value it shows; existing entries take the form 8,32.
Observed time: 5,27
